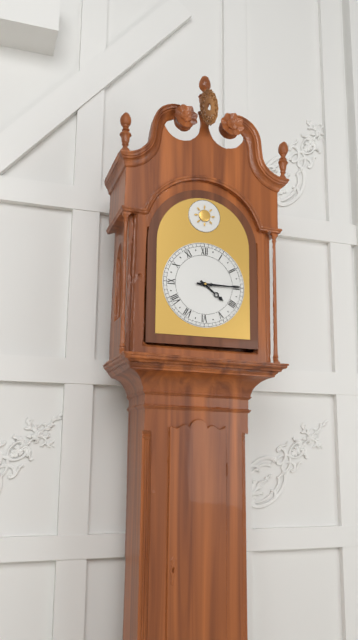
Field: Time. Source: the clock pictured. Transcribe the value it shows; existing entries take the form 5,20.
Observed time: 4,15
